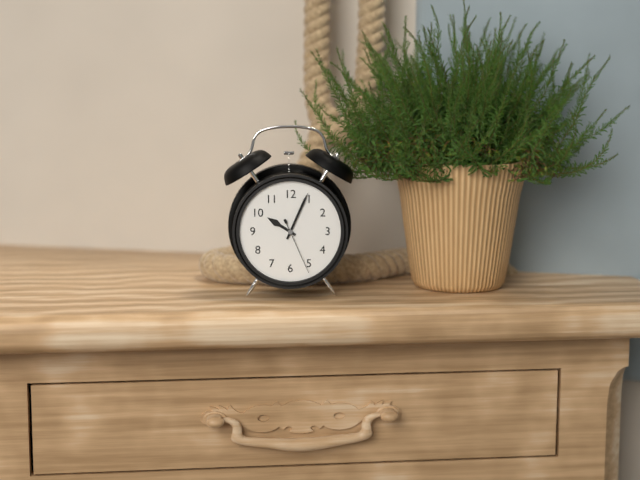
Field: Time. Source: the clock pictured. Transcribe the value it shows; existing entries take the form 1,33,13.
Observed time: 10,04,26
